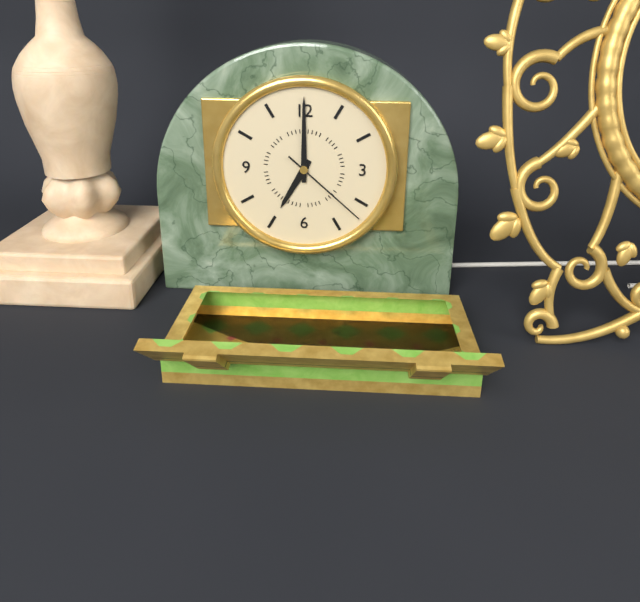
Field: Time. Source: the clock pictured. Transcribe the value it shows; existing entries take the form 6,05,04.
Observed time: 7,00,22
